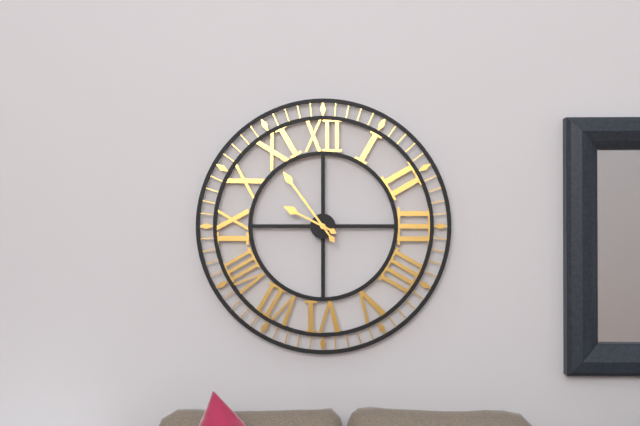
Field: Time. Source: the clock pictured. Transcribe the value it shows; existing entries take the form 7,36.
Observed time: 9,54
